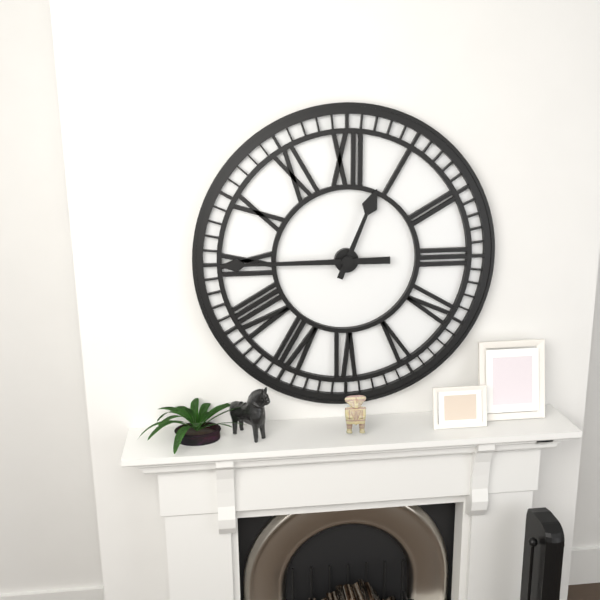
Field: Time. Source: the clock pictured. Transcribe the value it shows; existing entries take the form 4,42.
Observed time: 12,45
